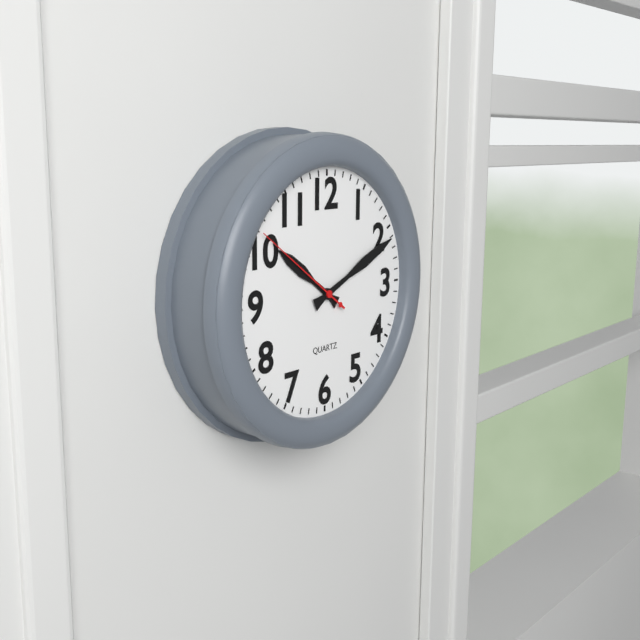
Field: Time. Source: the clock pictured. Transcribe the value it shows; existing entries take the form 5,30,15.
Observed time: 10,11,51
